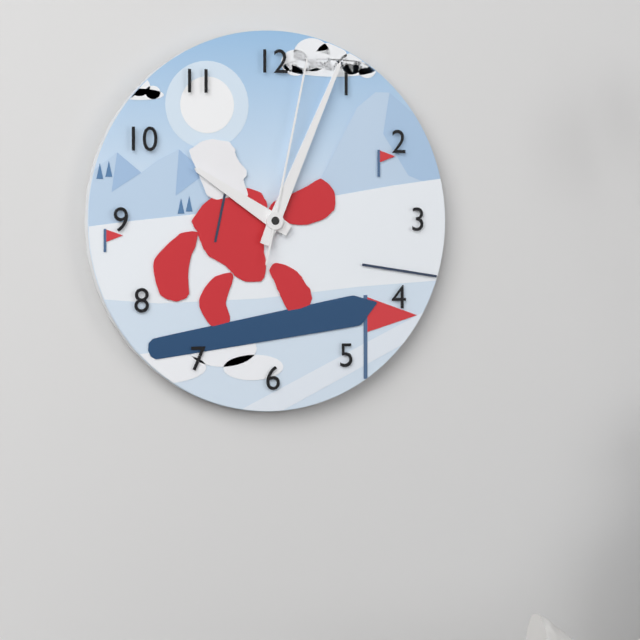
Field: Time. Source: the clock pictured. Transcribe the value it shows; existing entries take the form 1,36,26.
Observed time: 10,04,02
